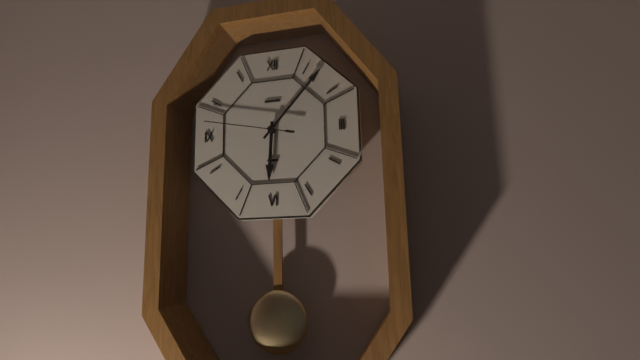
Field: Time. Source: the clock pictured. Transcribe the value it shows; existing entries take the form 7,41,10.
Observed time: 6,07,47
